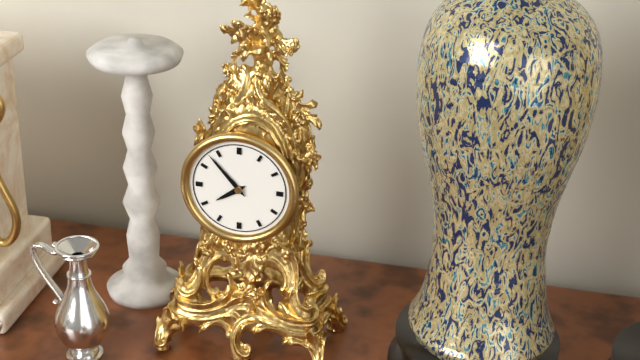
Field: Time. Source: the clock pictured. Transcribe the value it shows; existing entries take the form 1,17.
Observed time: 7,53
